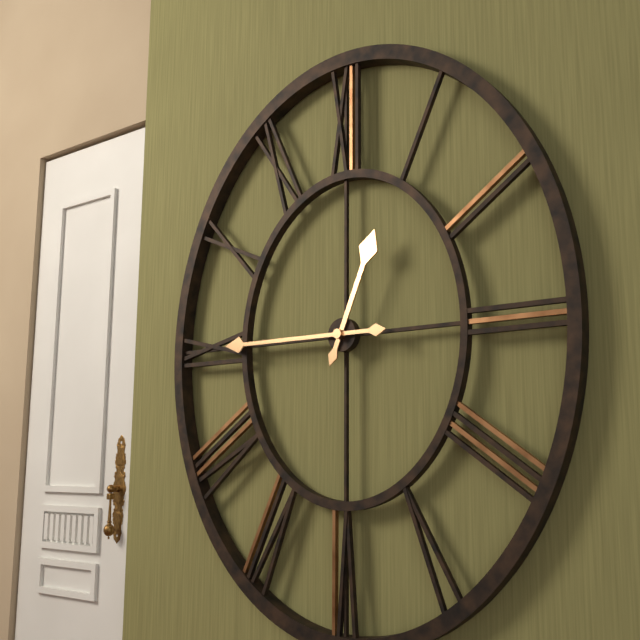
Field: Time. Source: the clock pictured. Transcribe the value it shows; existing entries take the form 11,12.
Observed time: 12,45
